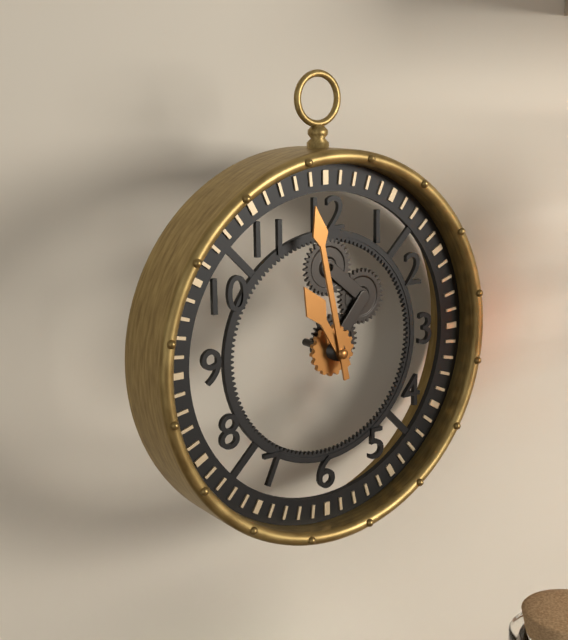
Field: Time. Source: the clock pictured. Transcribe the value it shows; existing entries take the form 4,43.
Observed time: 10,58
